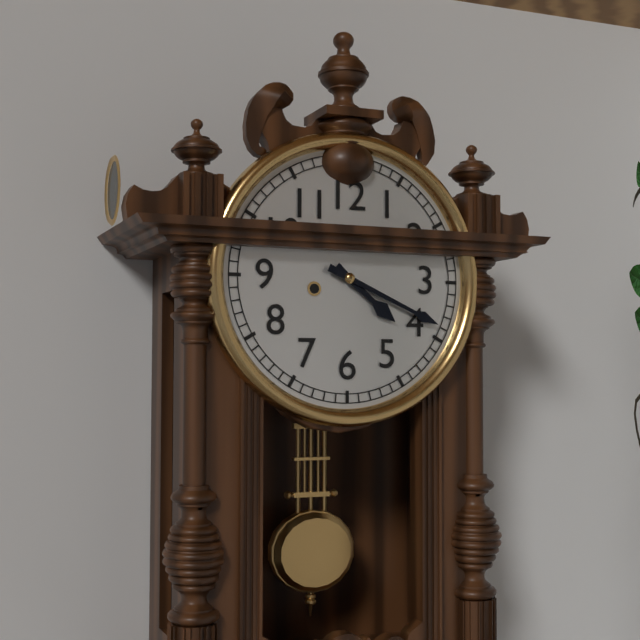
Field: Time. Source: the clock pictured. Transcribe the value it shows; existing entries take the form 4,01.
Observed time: 4,19
